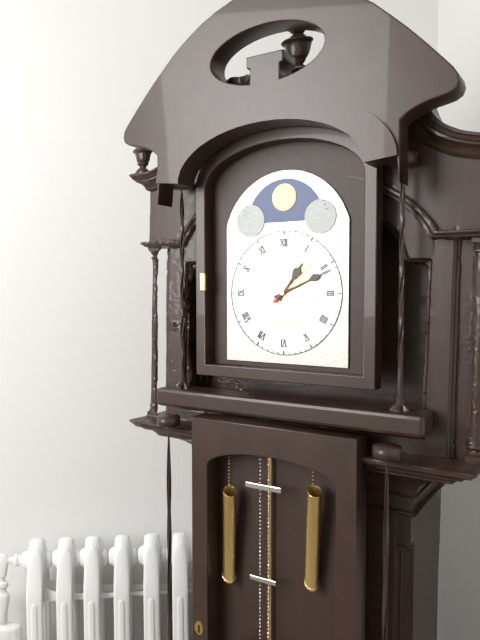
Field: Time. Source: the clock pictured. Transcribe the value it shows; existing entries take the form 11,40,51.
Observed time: 1,11,08
